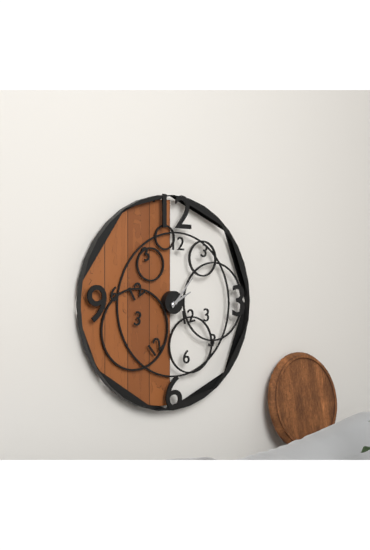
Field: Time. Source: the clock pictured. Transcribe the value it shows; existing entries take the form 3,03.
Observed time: 2,07
